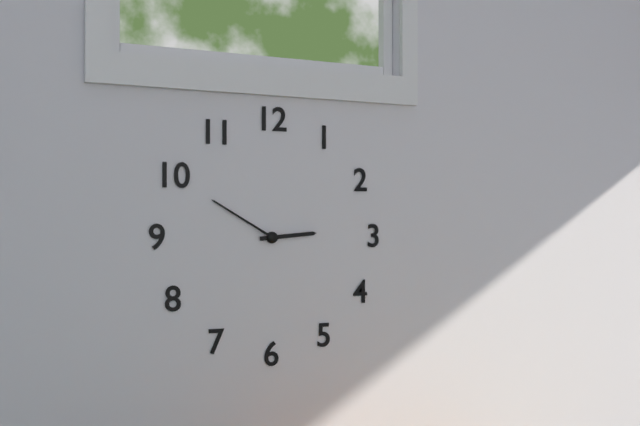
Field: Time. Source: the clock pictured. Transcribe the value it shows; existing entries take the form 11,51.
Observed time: 2,50
